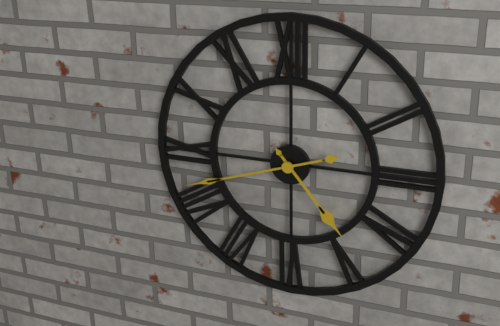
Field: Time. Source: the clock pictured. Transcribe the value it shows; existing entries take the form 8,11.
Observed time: 4,42
